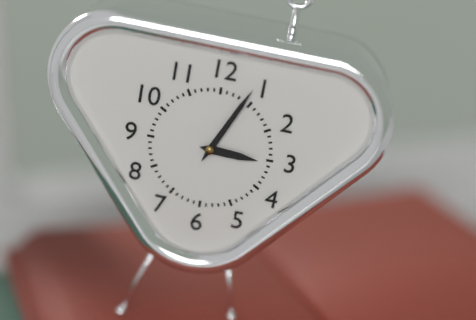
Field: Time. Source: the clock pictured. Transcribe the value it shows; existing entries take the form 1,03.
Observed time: 3,04
